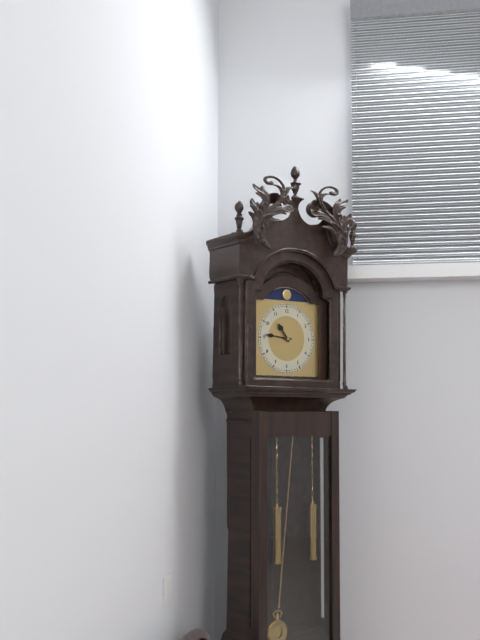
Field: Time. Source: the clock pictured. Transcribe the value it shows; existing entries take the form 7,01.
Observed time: 10,46
